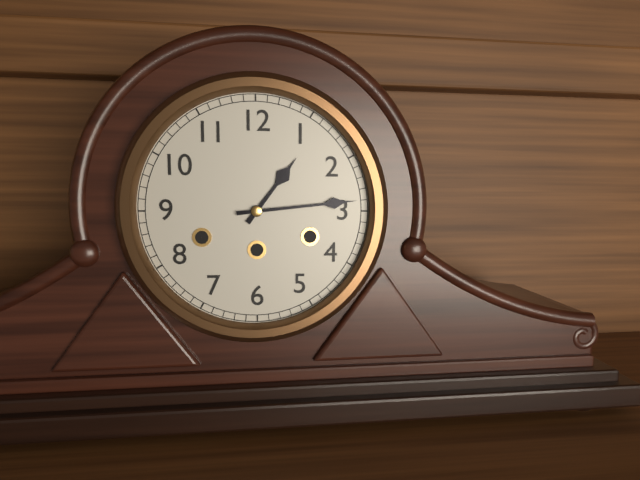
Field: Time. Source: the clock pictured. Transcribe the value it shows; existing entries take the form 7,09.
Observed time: 1,14
